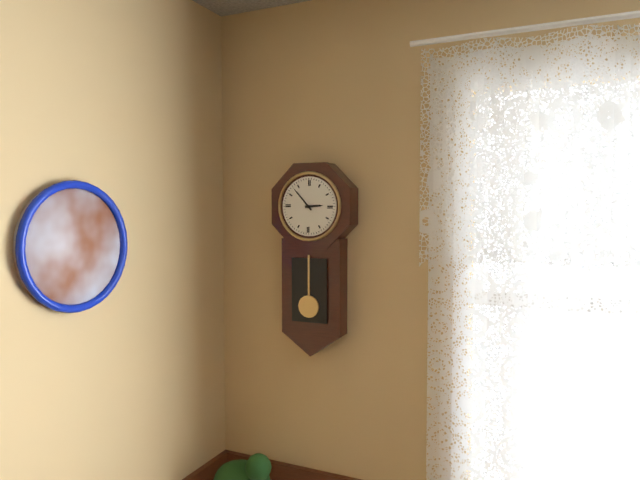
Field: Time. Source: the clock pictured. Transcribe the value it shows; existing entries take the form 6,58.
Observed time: 2,53
